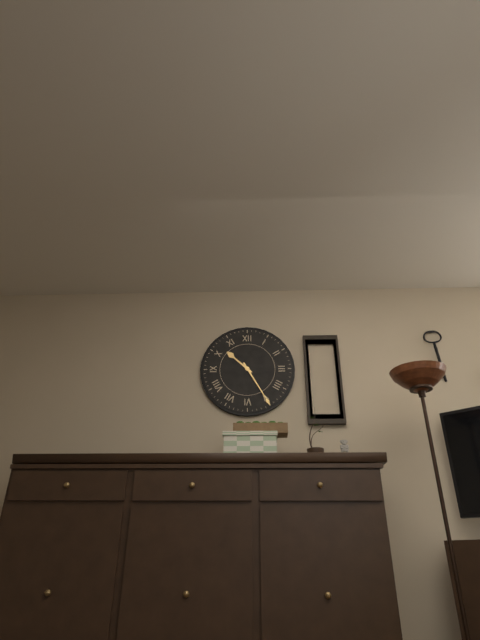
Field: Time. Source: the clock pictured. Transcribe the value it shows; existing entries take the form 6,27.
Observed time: 10,25
